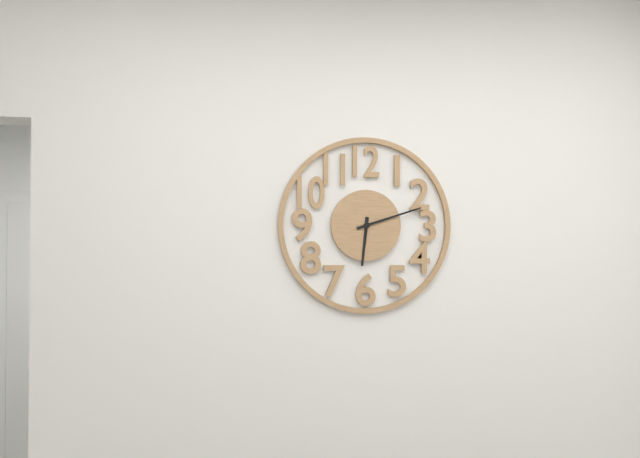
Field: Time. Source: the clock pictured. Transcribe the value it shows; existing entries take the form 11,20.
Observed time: 6,12
